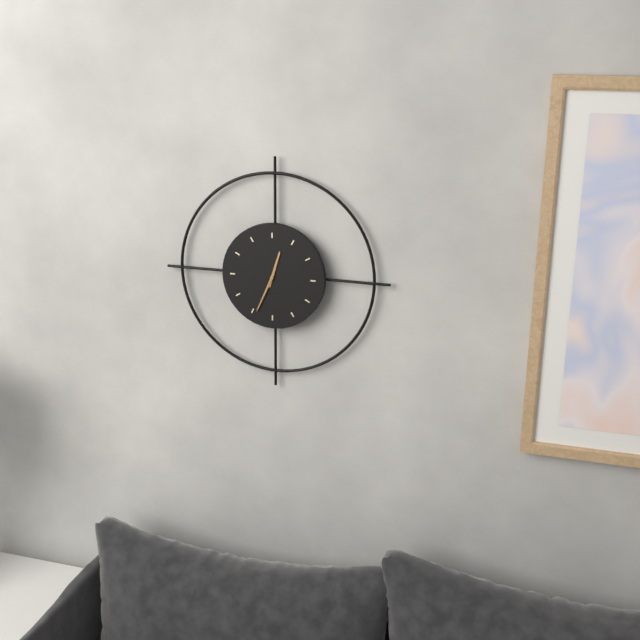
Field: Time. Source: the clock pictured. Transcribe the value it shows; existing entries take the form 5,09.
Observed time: 12,34
